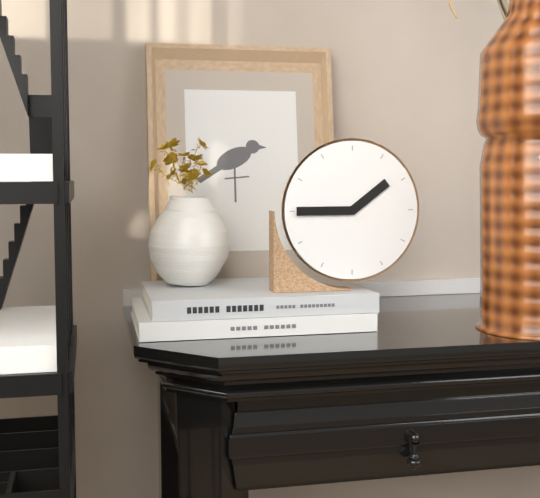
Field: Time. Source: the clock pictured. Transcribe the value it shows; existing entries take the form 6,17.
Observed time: 1,45
